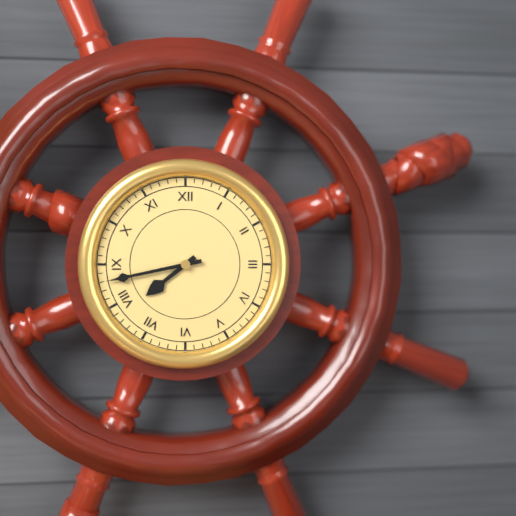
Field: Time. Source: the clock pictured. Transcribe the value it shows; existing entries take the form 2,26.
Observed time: 7,43
